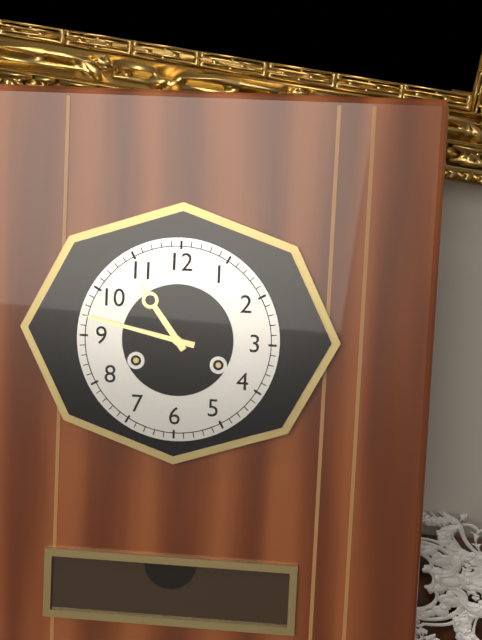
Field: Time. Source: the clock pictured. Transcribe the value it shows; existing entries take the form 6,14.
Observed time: 10,47
